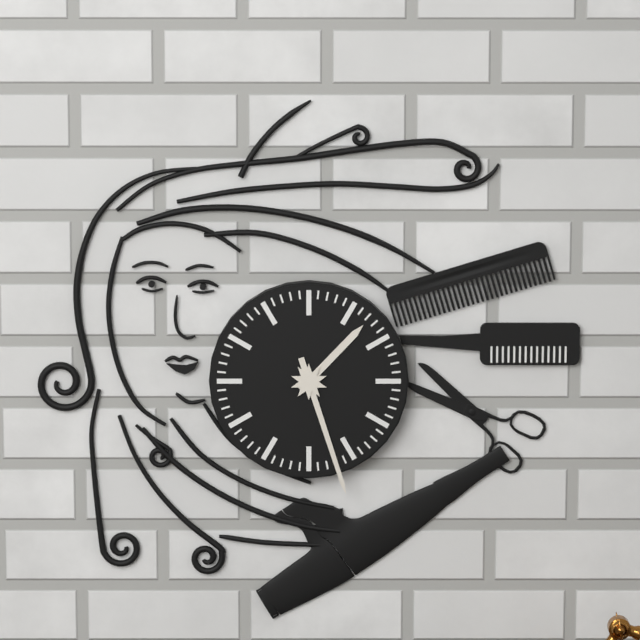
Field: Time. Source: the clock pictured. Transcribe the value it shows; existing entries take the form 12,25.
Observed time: 1,27
